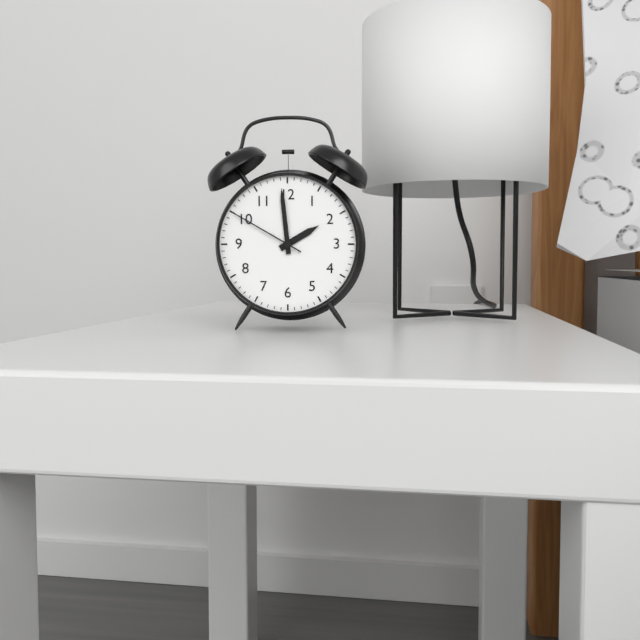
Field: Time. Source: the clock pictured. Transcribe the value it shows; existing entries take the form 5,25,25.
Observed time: 1,59,50
